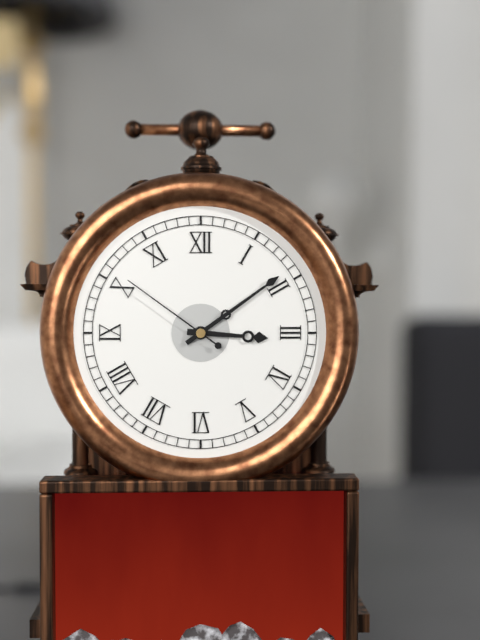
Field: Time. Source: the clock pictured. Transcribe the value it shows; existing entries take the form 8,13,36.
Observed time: 3,09,51
